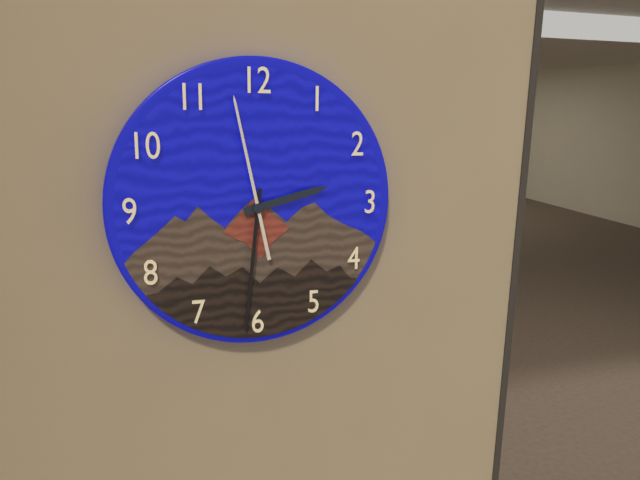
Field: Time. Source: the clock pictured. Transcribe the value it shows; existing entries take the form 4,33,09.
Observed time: 2,31,58
